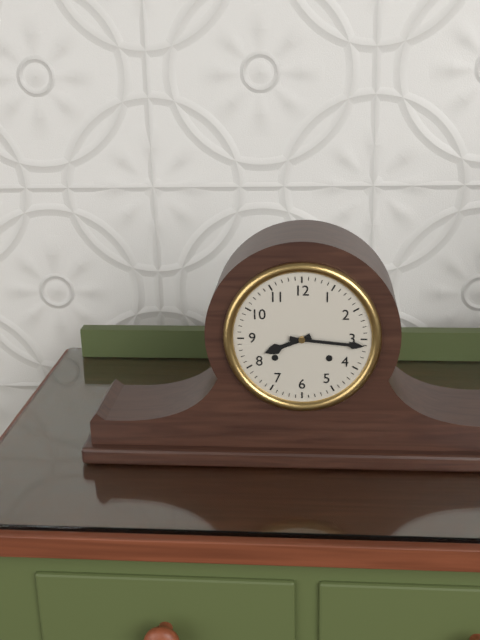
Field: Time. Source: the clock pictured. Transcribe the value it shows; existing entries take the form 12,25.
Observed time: 8,16
